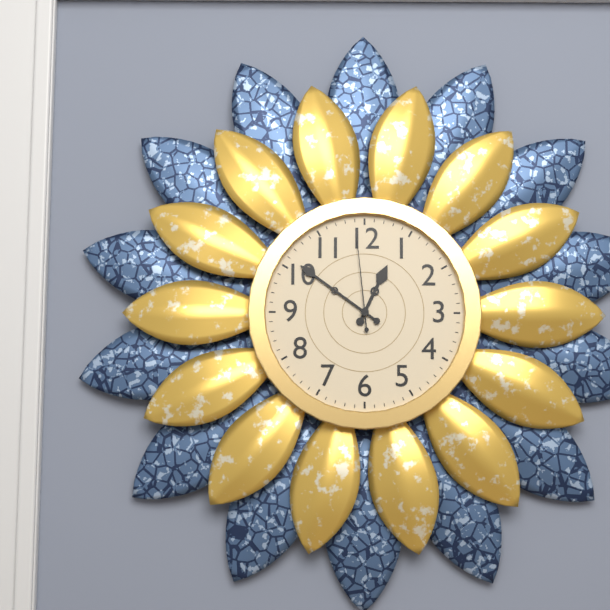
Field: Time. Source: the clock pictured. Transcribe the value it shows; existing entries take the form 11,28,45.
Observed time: 12,51,59
